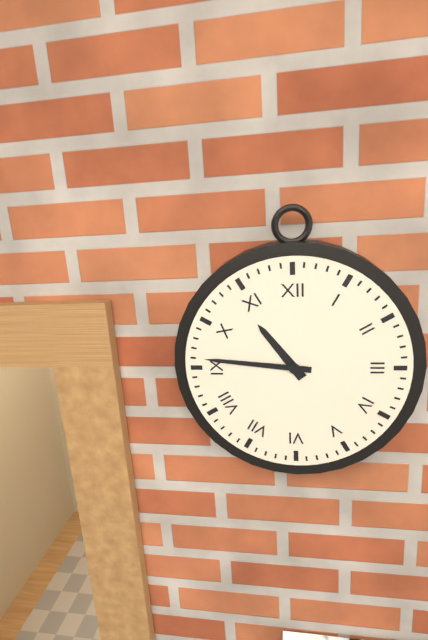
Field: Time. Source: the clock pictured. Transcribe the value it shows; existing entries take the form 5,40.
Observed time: 10,46
